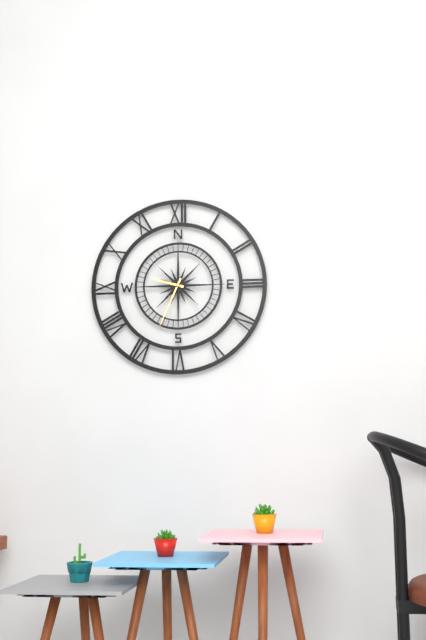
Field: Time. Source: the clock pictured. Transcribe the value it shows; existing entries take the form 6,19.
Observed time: 9,34
